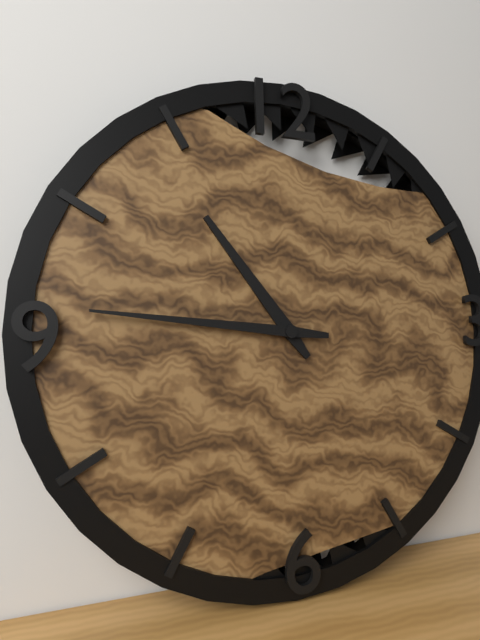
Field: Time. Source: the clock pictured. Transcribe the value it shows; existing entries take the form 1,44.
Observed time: 10,46
